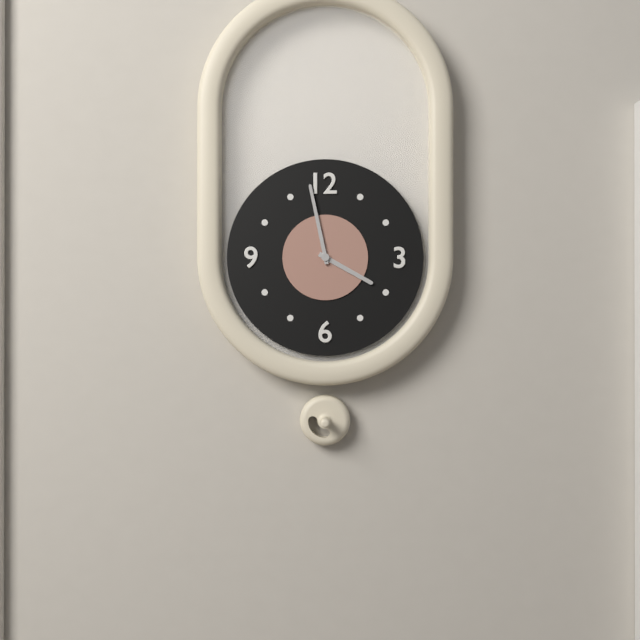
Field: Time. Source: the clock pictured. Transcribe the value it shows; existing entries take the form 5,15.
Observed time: 3,58
